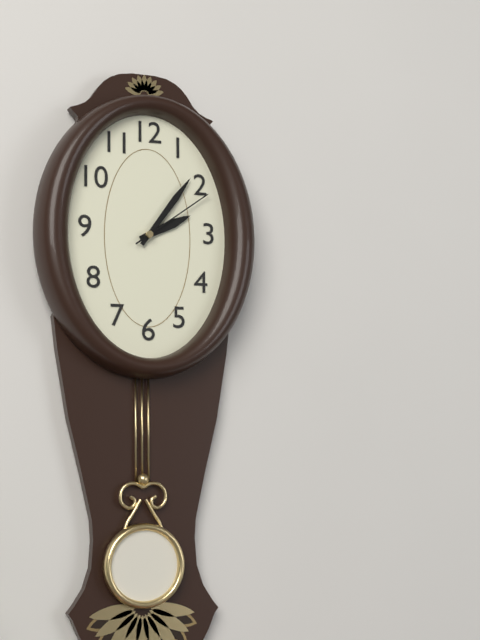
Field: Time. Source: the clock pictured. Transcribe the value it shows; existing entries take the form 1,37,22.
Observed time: 2,06,09
